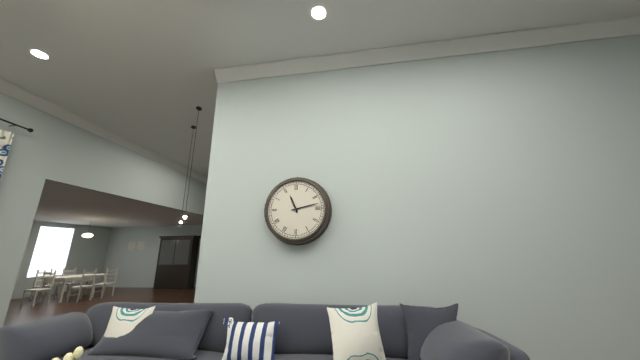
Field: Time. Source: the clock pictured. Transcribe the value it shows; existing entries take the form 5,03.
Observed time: 11,13
